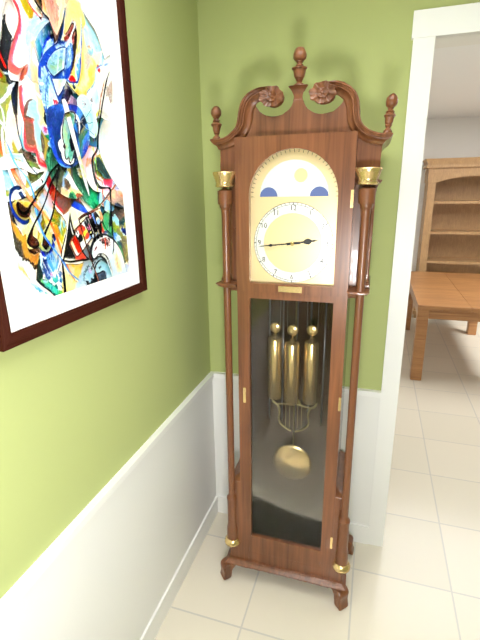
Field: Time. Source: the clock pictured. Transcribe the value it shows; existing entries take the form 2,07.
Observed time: 2,44
